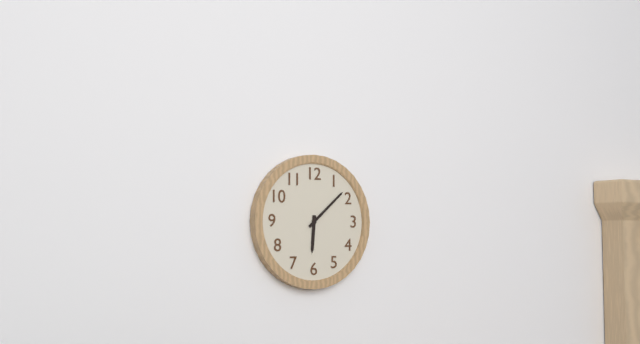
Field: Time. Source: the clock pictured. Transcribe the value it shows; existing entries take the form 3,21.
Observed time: 6,08
